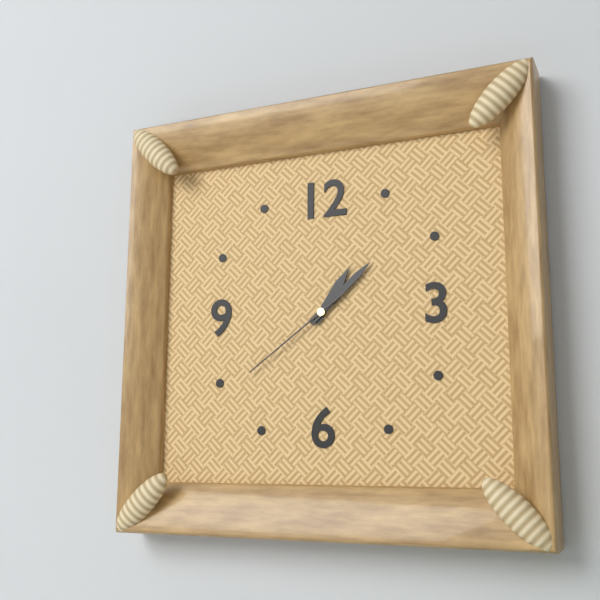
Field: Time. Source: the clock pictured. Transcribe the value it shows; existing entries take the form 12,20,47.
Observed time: 1,08,39
